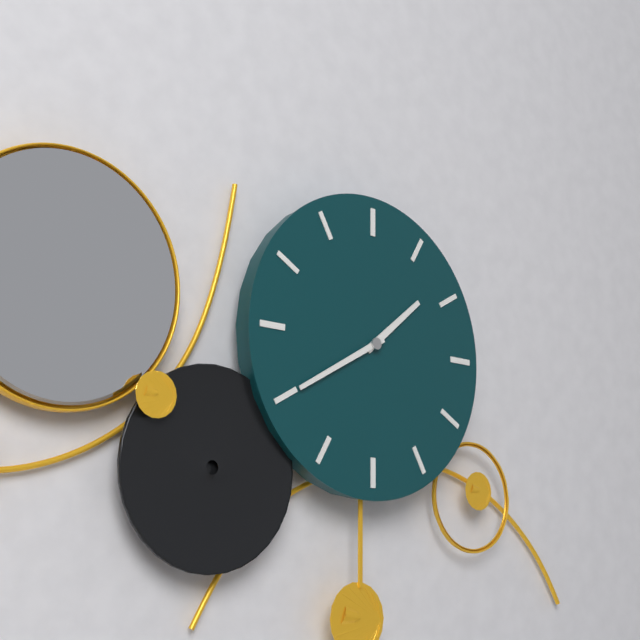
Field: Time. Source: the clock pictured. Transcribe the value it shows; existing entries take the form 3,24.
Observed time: 1,40
